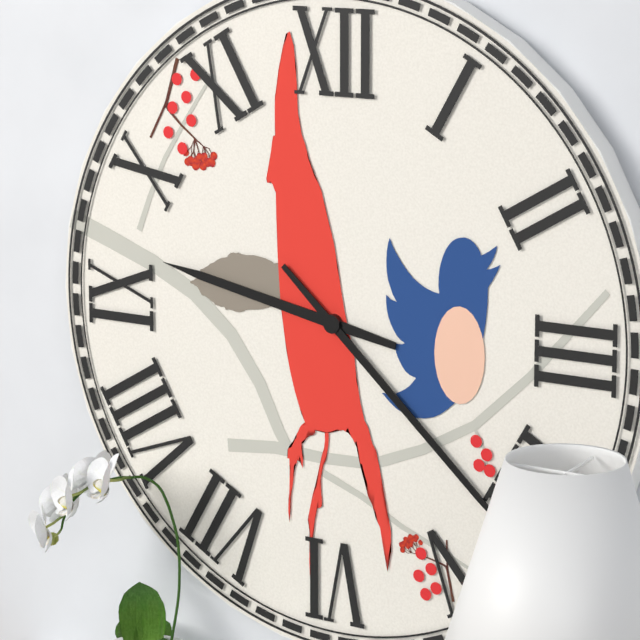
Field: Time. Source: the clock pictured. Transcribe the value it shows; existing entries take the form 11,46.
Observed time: 9,22
